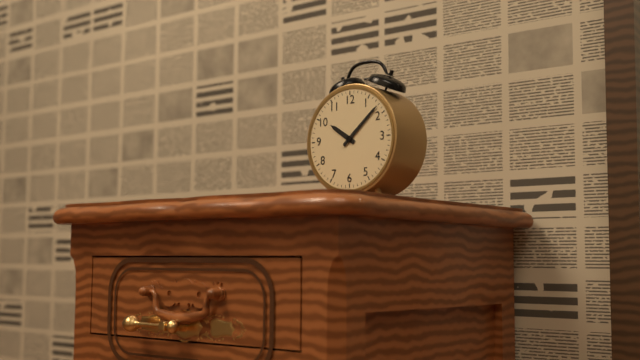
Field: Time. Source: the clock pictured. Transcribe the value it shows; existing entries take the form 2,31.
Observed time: 10,08
